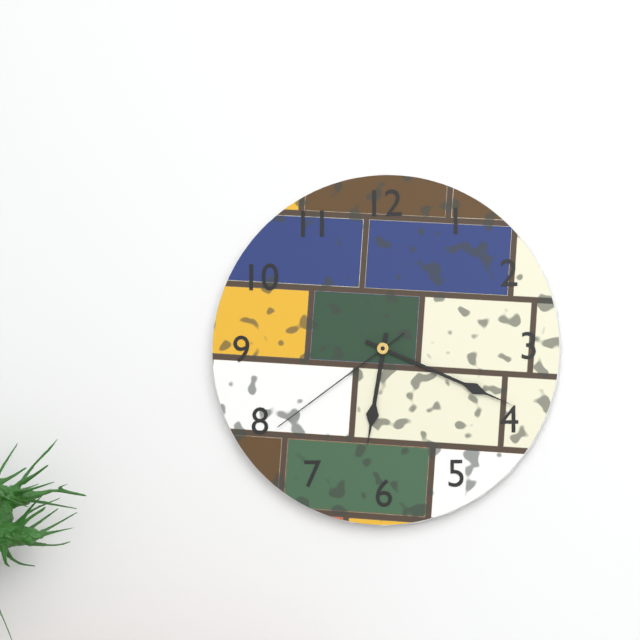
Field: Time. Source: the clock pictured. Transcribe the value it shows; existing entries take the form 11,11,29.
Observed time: 6,19,39
